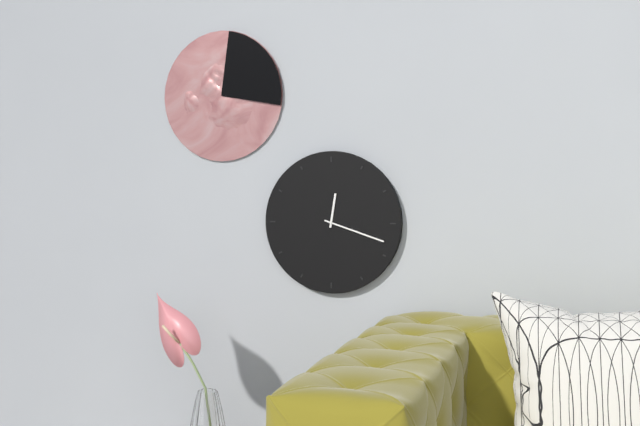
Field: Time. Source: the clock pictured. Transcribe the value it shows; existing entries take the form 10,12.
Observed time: 12,18
